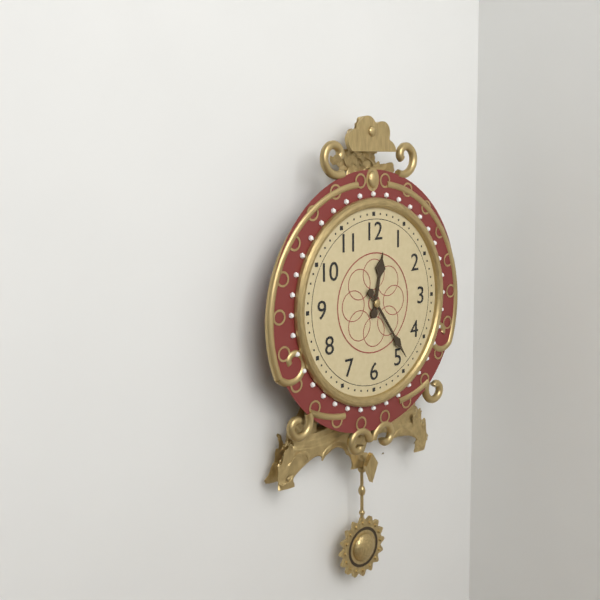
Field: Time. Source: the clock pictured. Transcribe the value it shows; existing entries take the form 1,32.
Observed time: 12,24
